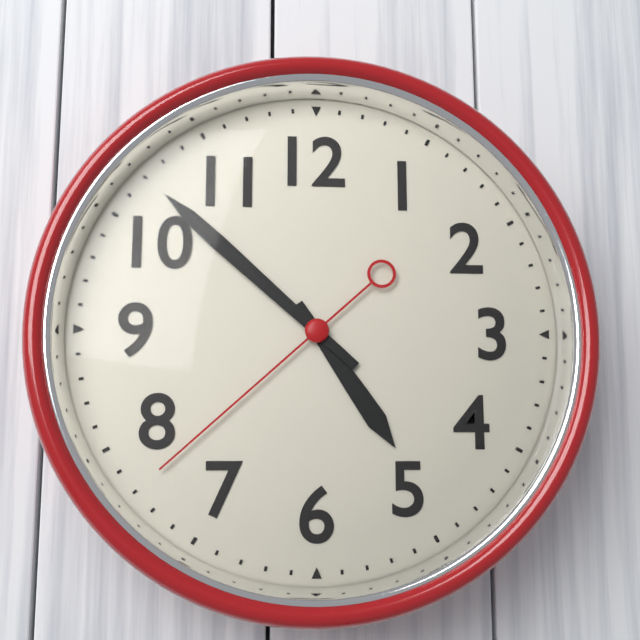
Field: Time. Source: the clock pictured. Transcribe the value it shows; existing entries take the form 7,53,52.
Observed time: 4,52,38
